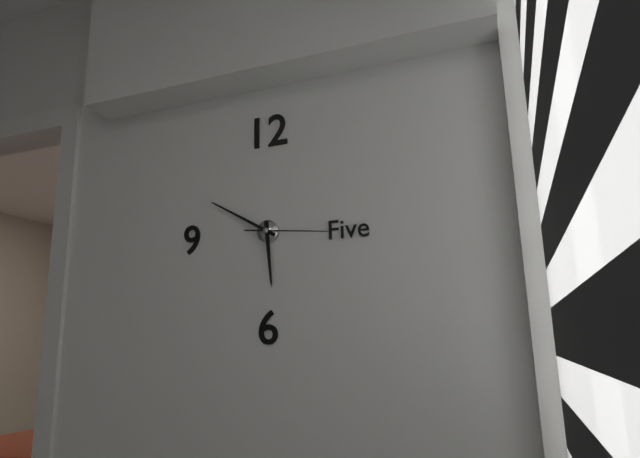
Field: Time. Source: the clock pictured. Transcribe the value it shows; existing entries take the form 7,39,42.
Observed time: 5,50,16
